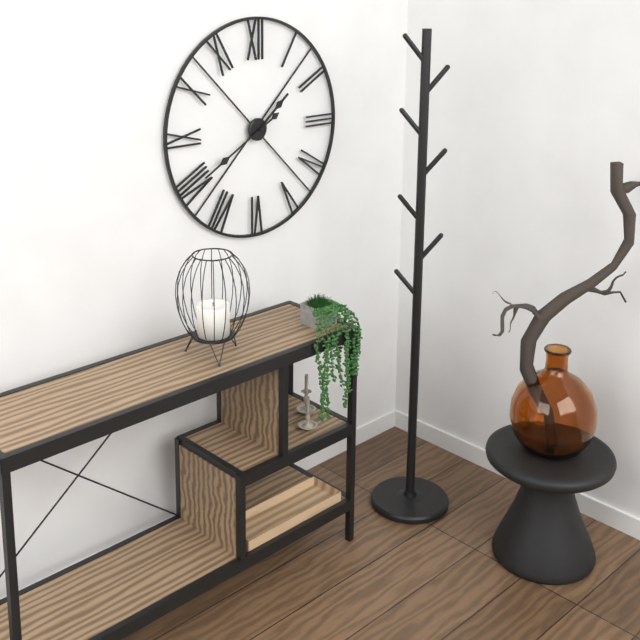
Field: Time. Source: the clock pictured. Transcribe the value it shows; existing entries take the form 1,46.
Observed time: 1,40
